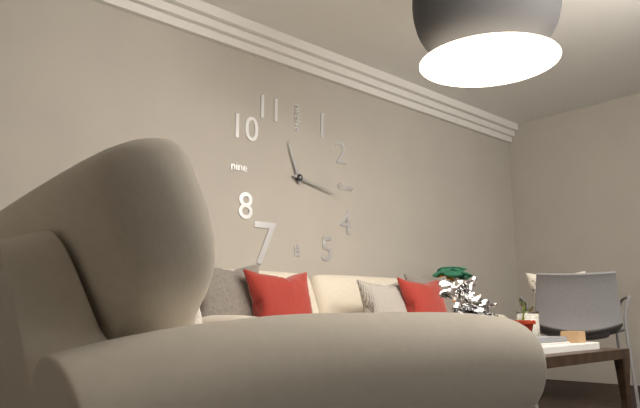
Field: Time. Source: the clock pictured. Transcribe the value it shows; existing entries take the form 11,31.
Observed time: 11,17
